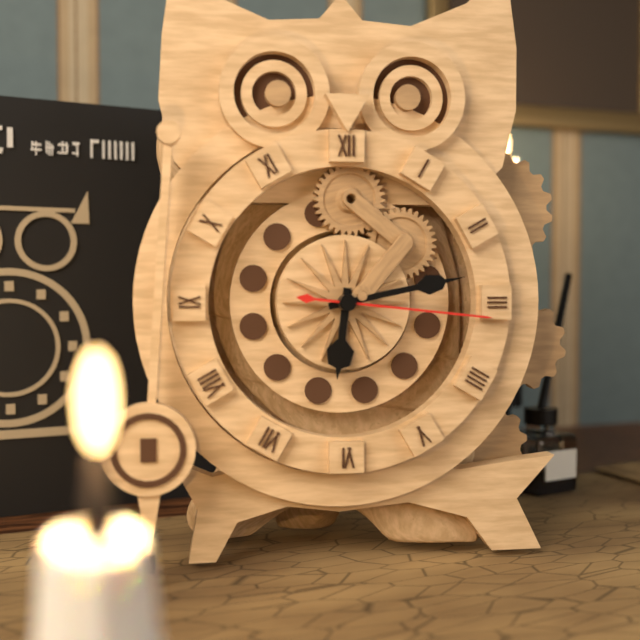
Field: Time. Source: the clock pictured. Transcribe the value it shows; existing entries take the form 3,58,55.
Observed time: 6,13,16
